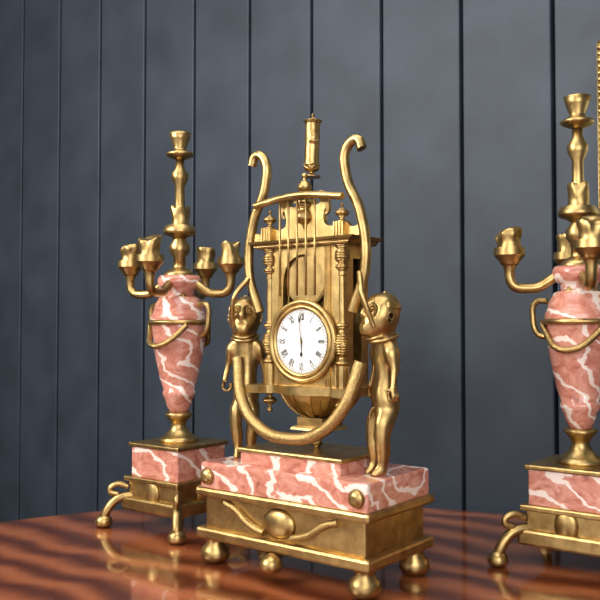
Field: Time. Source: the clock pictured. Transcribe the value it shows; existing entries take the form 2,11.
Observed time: 5,59
